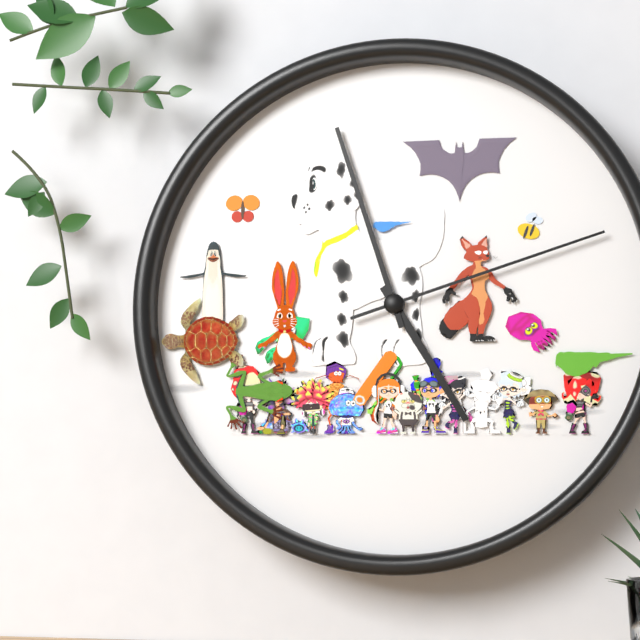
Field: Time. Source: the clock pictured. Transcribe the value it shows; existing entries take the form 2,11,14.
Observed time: 4,57,12
